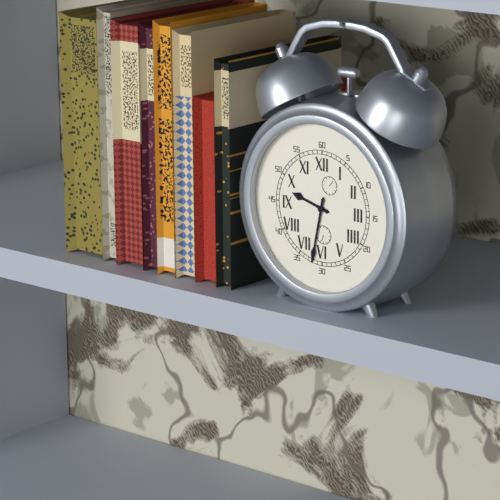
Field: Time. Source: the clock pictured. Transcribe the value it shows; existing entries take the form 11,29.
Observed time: 9,32
